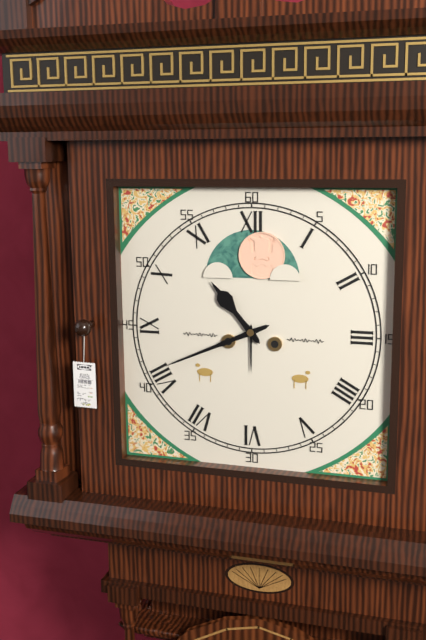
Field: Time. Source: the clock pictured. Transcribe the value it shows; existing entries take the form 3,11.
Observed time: 10,41
